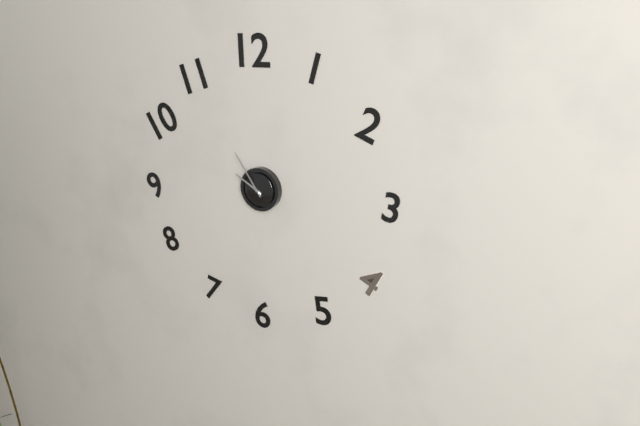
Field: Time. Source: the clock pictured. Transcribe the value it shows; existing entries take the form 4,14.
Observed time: 9,54
